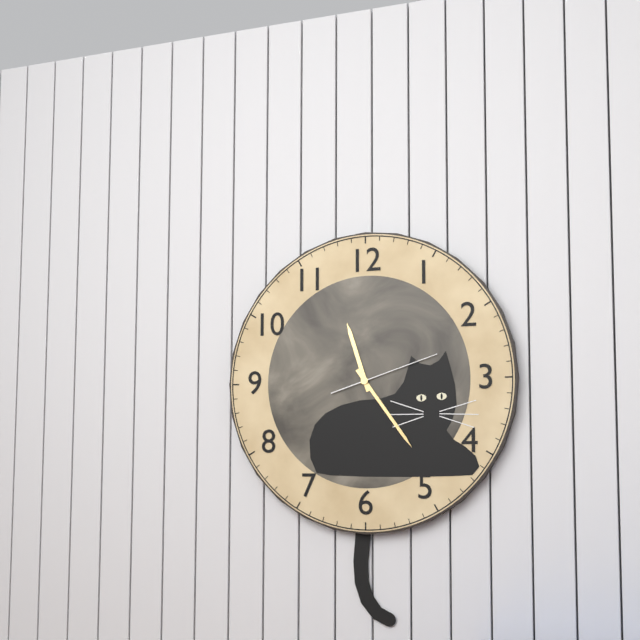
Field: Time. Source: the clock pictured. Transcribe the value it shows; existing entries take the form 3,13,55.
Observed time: 11,24,12
